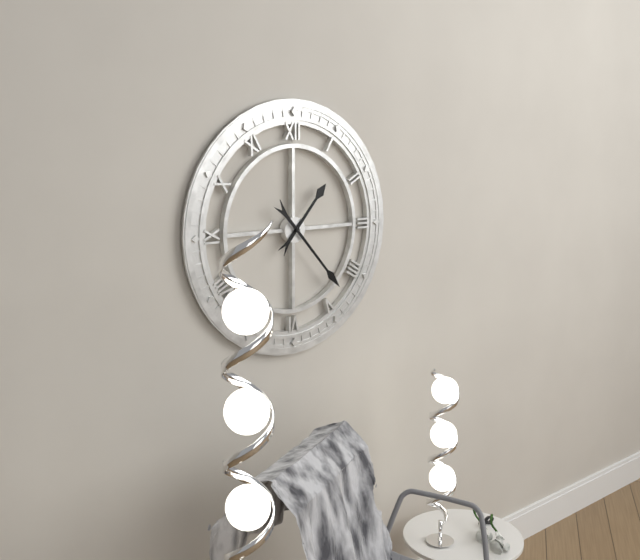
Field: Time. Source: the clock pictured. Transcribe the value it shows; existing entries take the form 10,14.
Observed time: 1,23
